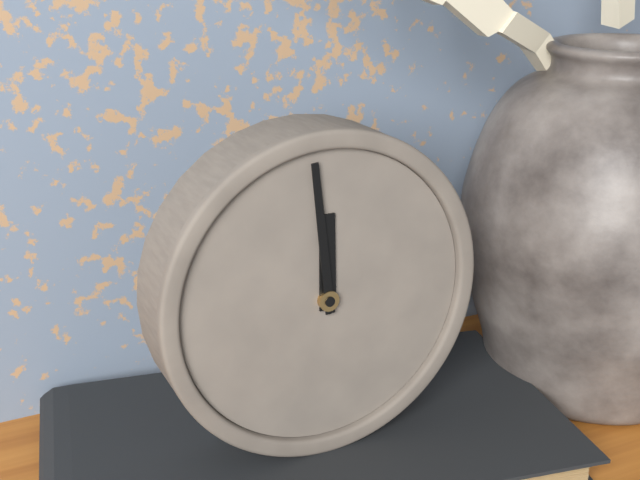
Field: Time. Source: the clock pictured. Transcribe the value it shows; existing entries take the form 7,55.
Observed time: 11,59
